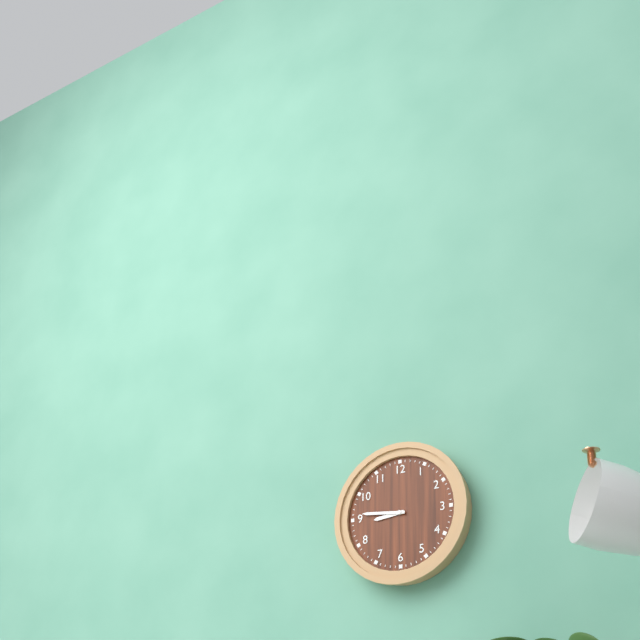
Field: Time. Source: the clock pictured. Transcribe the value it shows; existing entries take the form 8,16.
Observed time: 8,46
